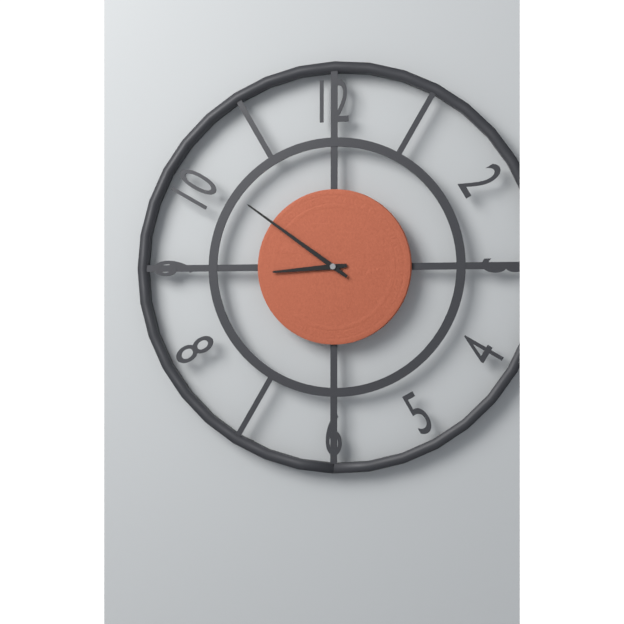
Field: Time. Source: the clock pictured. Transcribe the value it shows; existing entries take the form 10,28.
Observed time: 8,51
